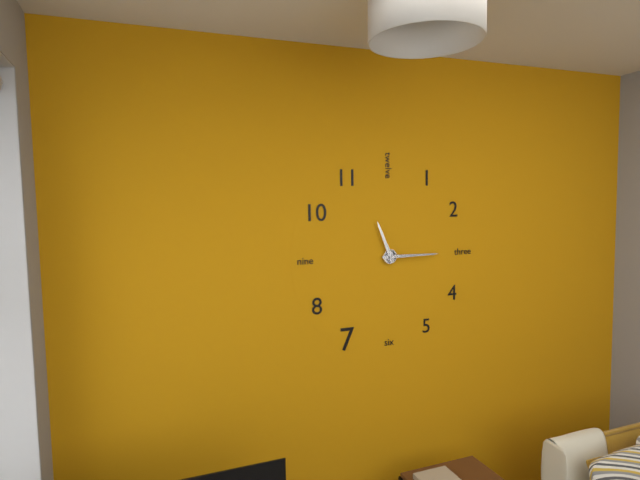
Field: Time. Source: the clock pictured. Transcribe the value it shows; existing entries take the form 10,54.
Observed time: 11,15
